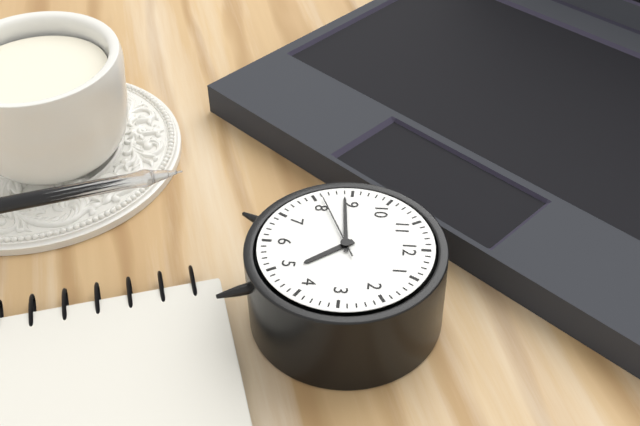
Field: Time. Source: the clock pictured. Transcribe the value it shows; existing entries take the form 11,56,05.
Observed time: 4,44,41
